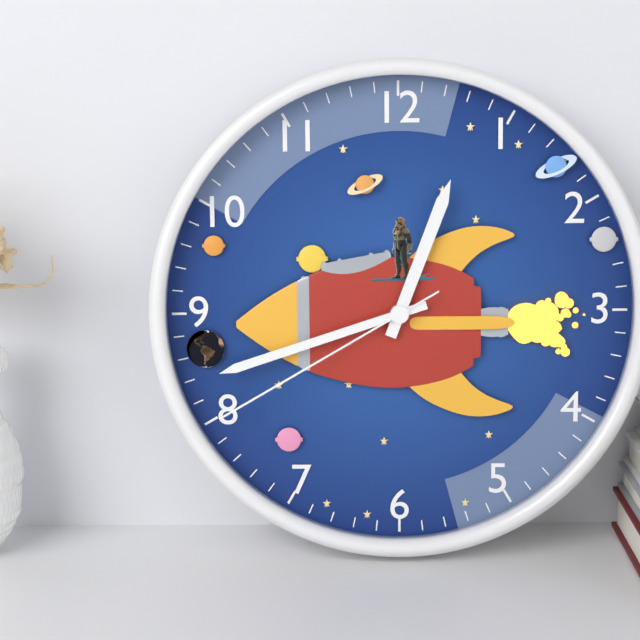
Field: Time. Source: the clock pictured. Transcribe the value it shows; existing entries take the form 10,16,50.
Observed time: 12,42,40
